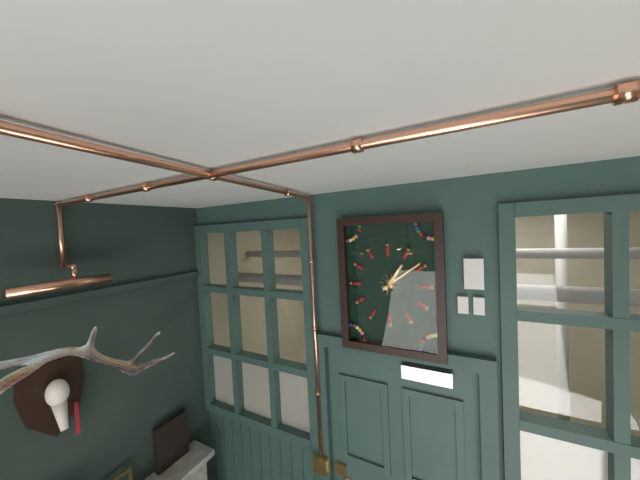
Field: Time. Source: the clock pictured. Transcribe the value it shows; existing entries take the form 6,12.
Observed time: 1,09
